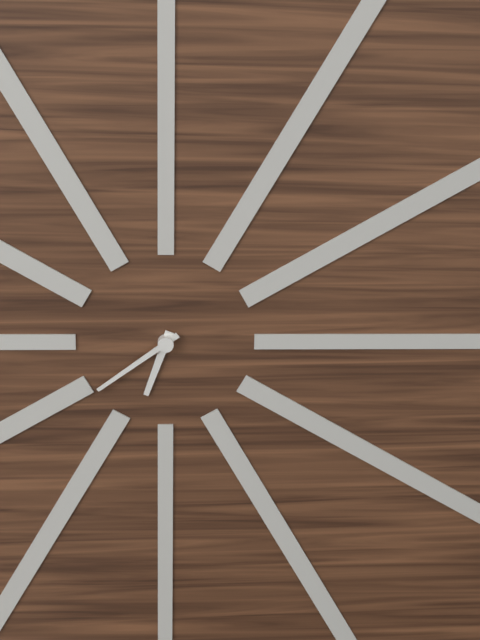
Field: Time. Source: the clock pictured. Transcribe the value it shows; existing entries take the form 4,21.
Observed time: 6,39
